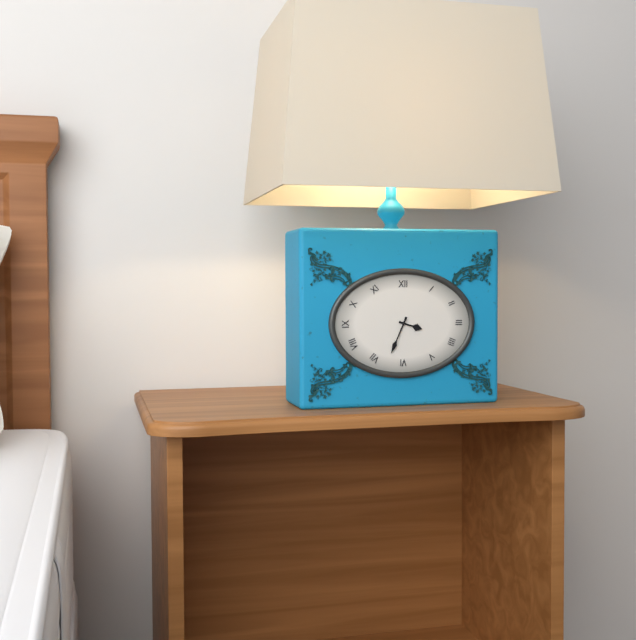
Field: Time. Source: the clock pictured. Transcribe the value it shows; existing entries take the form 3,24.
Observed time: 3,34
